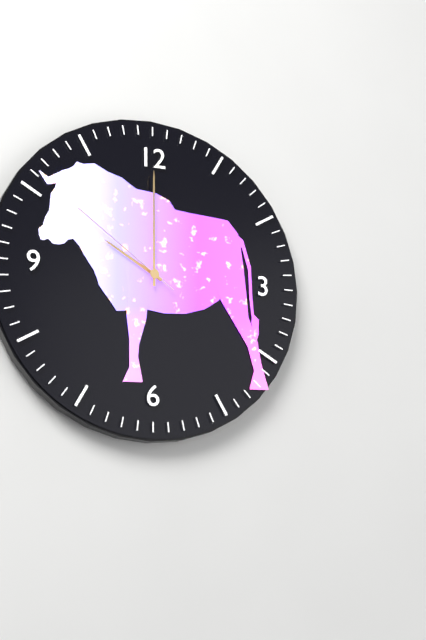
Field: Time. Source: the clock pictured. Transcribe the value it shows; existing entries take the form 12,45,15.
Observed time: 10,00,51
